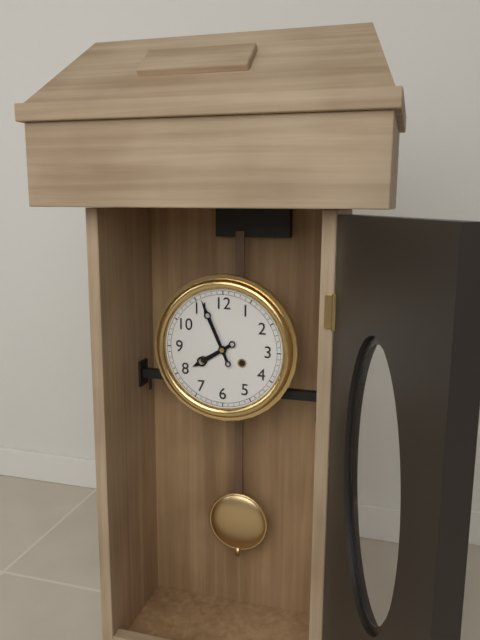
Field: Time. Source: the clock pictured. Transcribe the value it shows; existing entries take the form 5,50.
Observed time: 7,56
